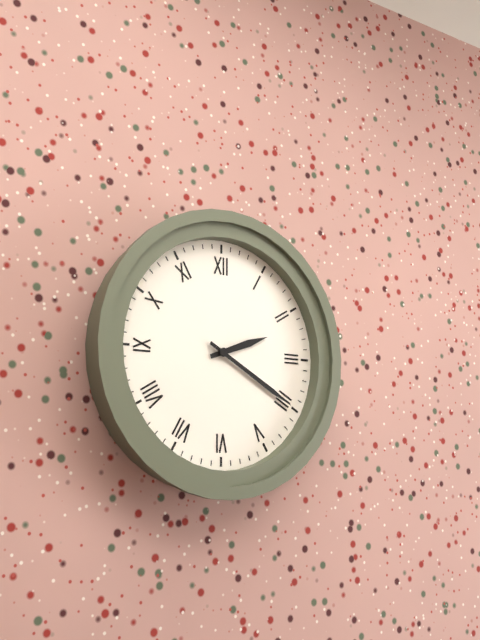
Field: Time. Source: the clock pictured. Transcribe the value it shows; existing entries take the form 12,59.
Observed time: 2,20
